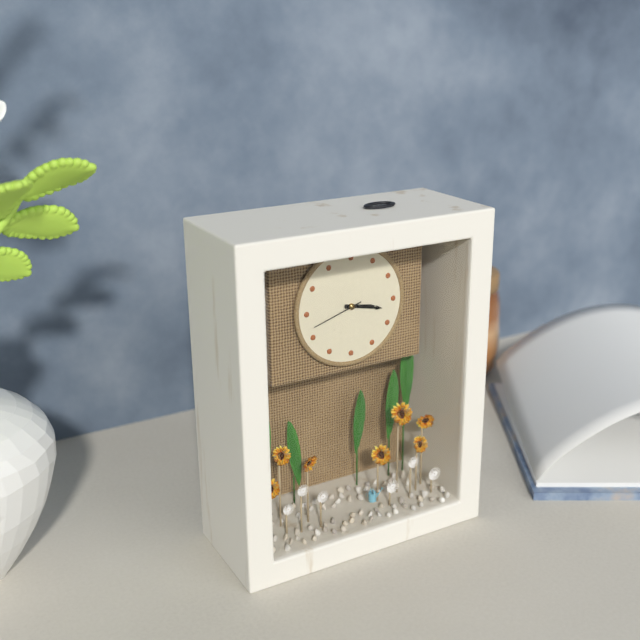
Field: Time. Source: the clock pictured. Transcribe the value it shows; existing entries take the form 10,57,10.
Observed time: 3,17,42
